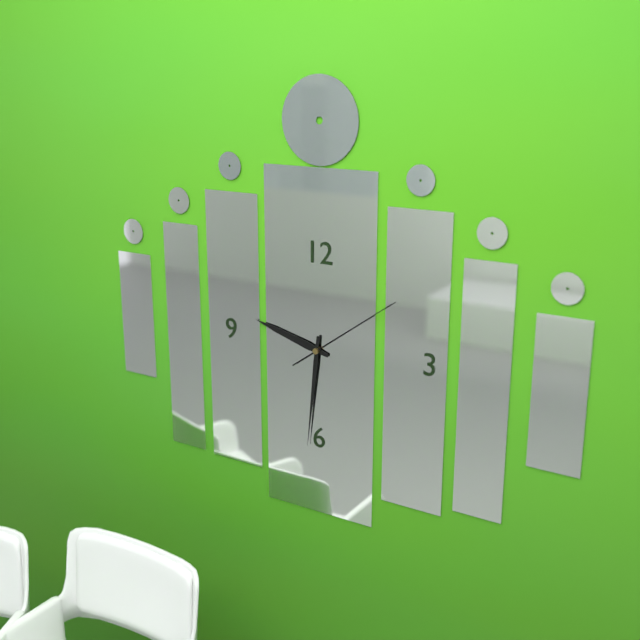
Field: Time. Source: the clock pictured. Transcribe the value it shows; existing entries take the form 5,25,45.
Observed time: 9,31,09
